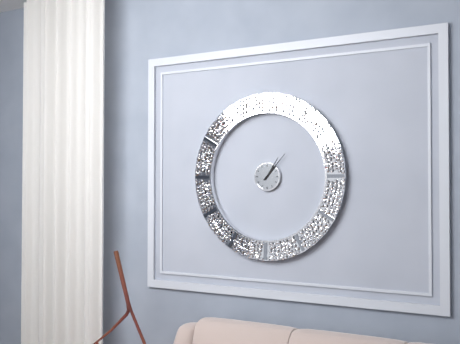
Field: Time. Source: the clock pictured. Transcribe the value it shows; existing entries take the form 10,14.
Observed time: 1,07
